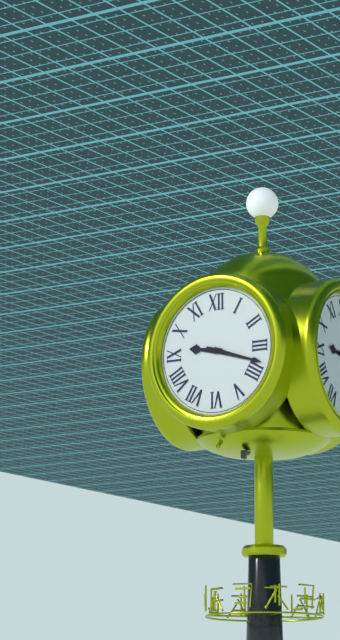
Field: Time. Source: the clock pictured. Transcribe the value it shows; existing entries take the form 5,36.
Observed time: 9,18
